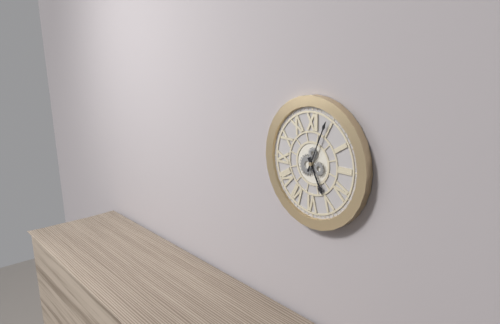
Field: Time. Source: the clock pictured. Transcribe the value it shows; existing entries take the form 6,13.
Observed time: 5,04
